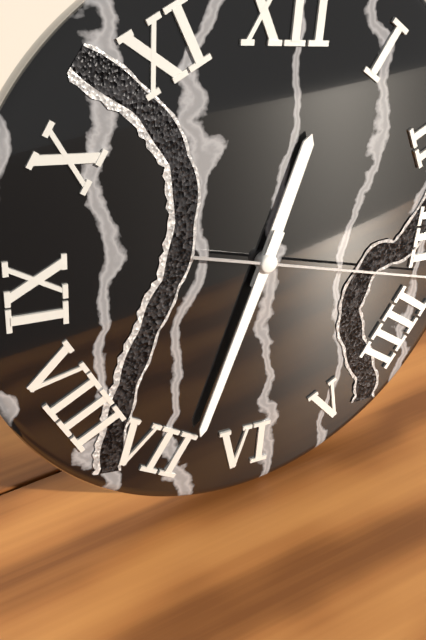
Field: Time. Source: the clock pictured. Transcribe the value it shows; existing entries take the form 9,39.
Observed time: 12,33
